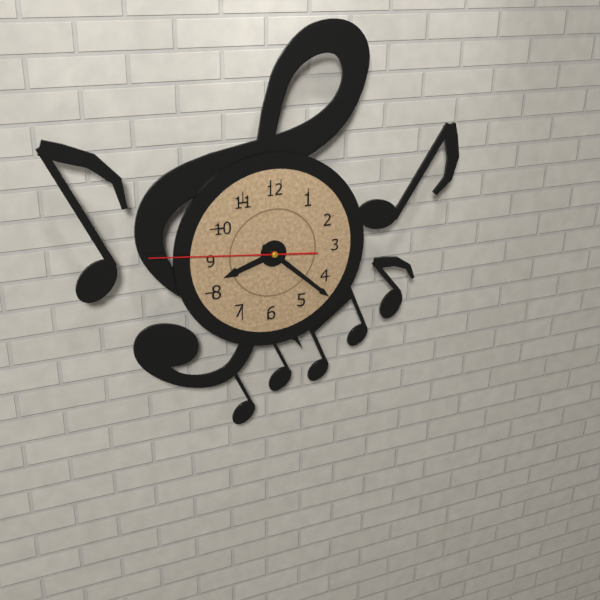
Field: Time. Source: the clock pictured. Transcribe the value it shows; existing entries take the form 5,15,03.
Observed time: 8,22,46
